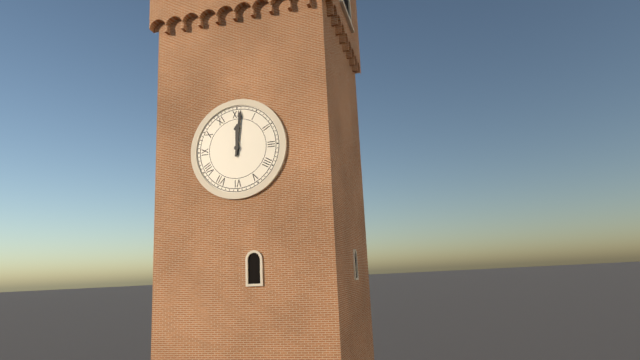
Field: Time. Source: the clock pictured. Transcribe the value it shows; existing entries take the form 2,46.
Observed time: 12,01
